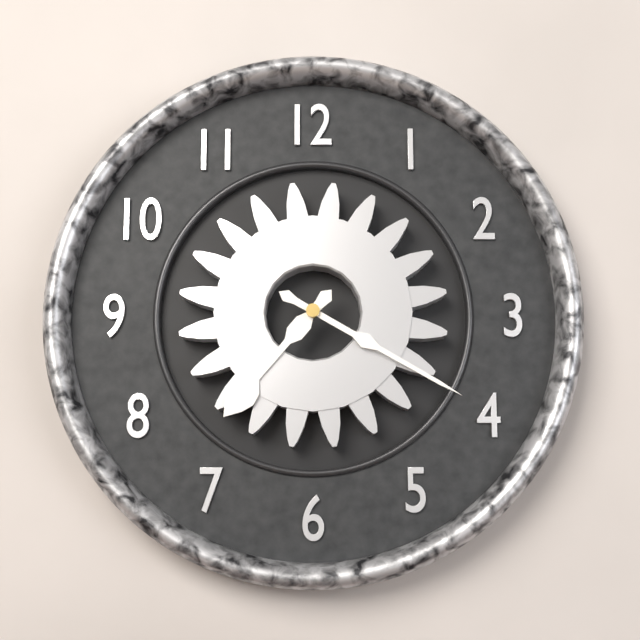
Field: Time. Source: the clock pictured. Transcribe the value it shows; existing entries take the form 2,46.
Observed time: 7,20
